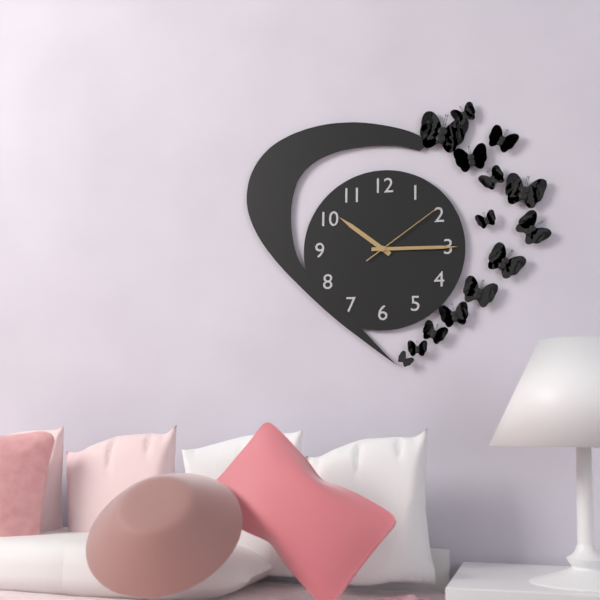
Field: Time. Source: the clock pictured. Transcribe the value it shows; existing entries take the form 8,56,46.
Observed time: 10,15,09
